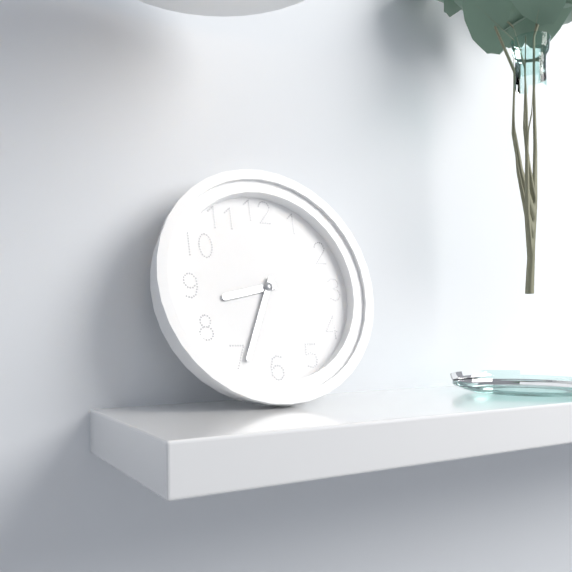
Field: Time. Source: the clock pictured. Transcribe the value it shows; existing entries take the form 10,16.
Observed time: 8,34
